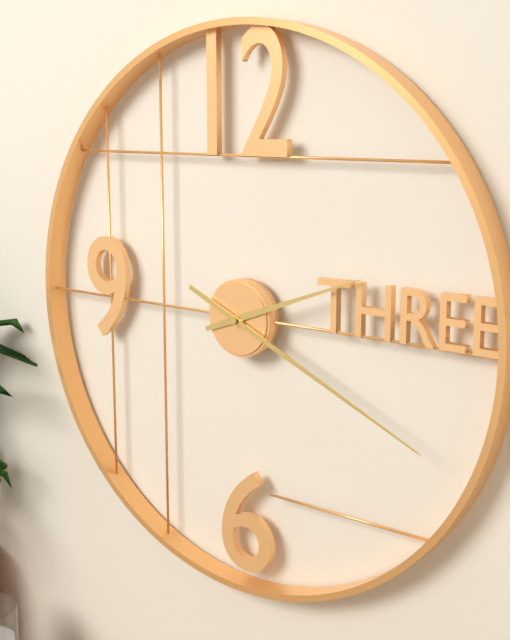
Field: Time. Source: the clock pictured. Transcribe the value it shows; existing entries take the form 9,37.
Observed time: 2,19
